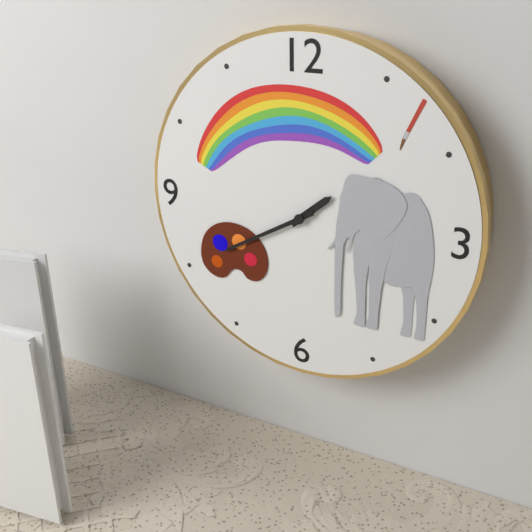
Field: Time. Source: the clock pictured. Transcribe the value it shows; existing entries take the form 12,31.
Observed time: 1,40
